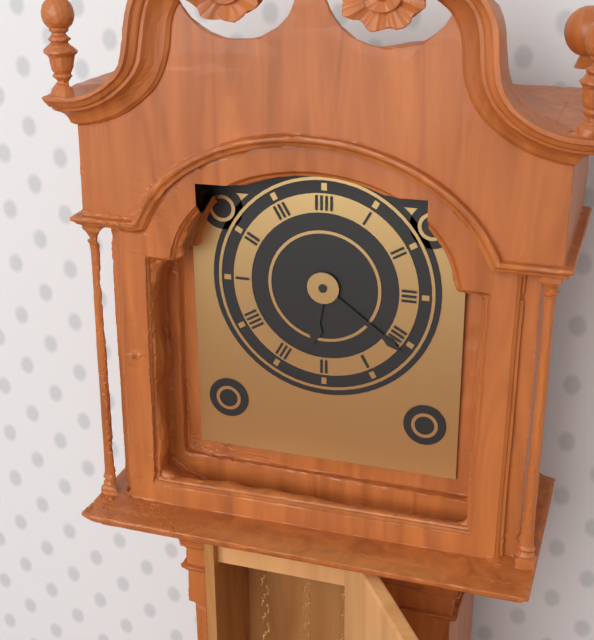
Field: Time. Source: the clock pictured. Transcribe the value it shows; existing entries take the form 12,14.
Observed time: 6,21
